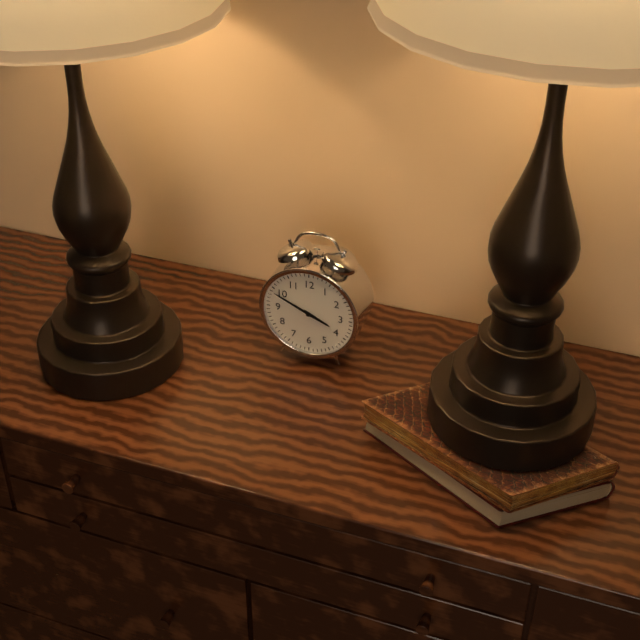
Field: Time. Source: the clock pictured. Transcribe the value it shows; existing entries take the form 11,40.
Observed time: 3,49
